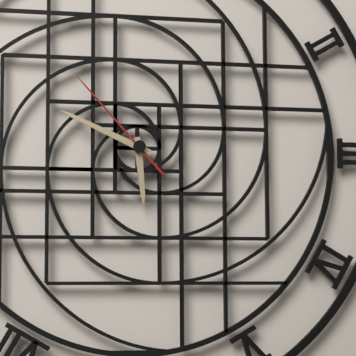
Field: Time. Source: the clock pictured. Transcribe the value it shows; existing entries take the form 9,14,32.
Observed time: 5,49,53
